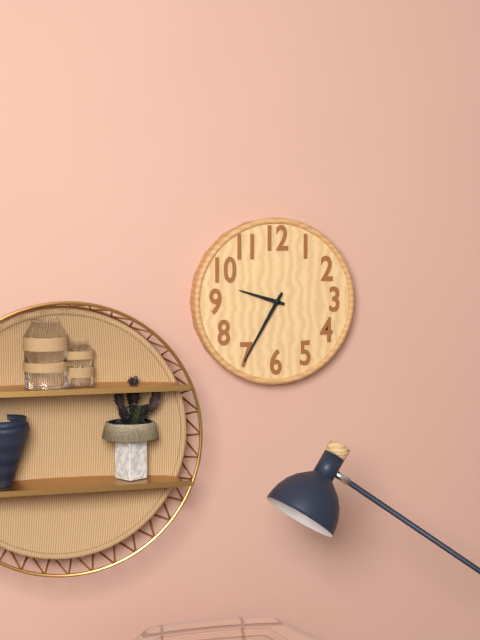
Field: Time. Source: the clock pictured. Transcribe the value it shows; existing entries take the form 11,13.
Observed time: 9,35
